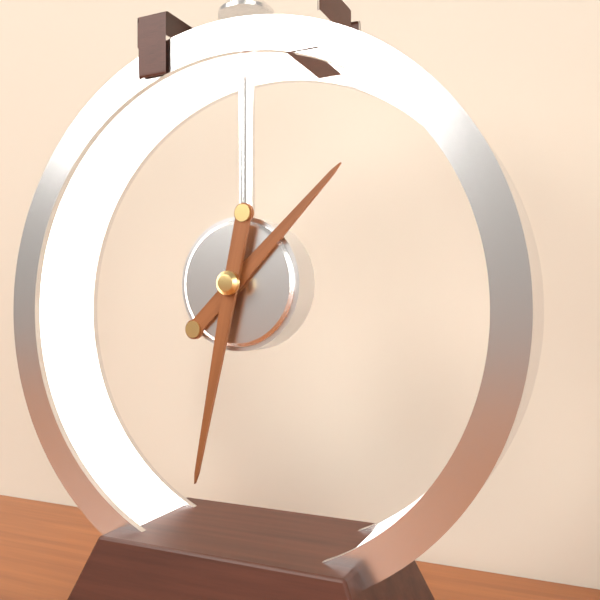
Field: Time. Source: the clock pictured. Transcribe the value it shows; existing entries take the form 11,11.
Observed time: 1,32
